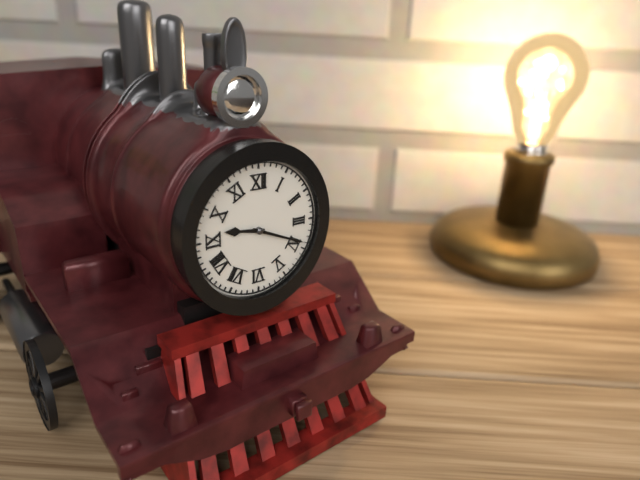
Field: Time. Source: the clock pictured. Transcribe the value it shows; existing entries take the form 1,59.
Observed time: 9,19
